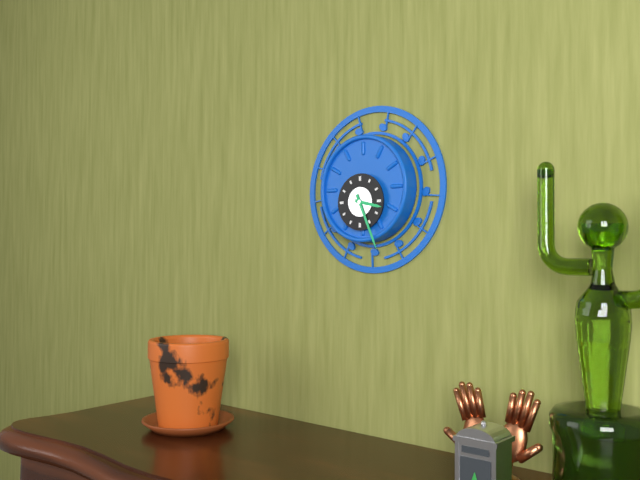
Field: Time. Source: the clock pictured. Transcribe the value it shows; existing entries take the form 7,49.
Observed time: 3,26
